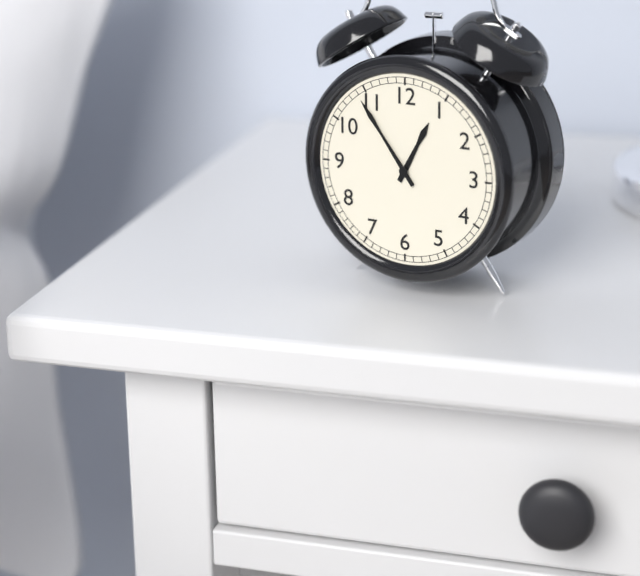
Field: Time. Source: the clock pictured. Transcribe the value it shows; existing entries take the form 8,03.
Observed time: 12,54
